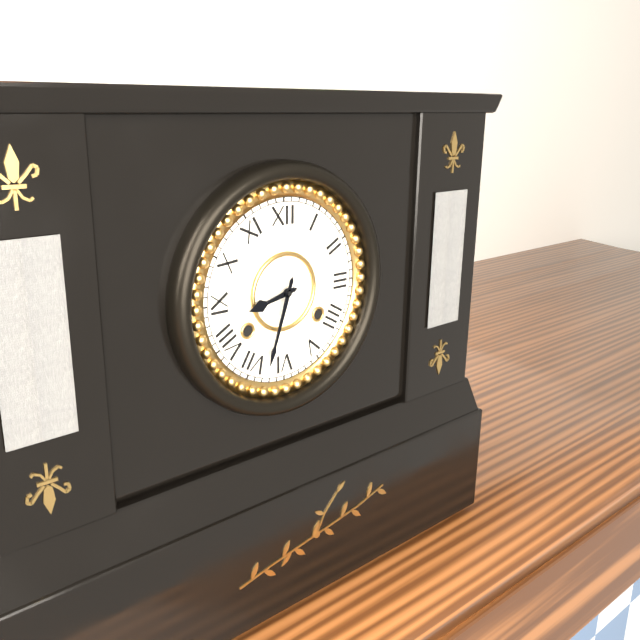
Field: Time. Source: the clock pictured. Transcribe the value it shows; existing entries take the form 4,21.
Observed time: 8,33
